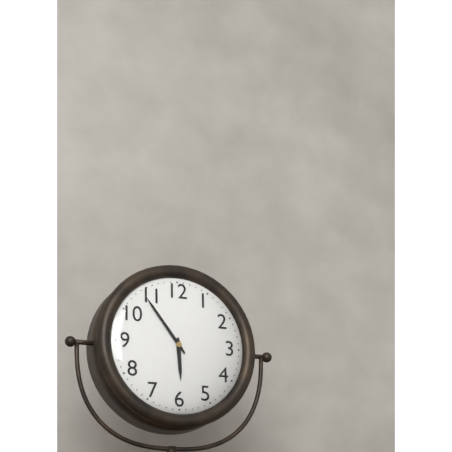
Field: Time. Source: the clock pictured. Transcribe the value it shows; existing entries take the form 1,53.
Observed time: 5,54
